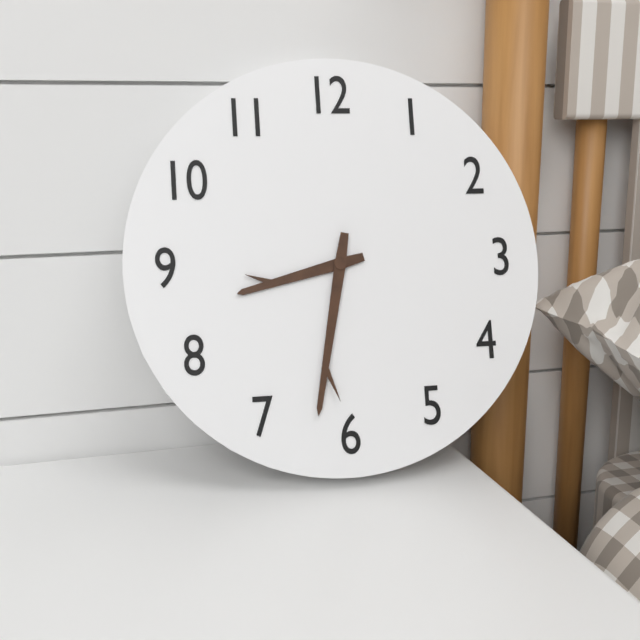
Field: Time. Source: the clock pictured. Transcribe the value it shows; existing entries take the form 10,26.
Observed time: 8,32
